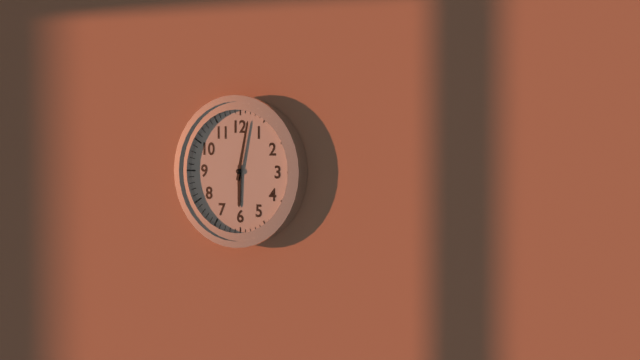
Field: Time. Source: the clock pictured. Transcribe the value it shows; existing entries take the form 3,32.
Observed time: 6,02
